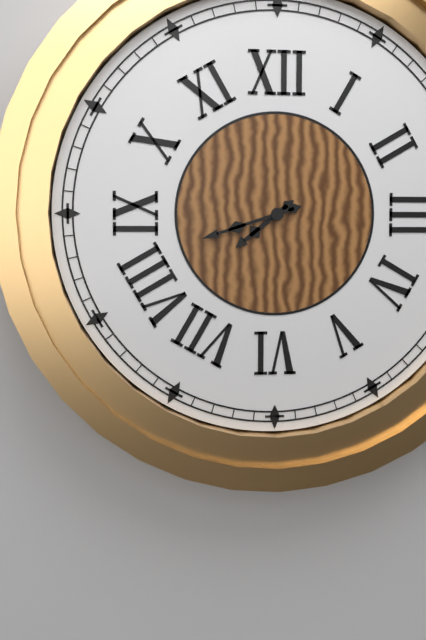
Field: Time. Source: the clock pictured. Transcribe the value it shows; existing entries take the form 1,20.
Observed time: 7,42
